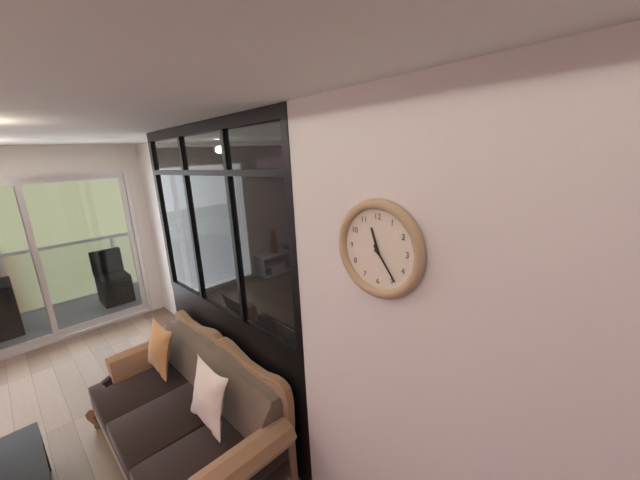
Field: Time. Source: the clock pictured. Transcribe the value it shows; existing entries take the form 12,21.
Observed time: 11,24
